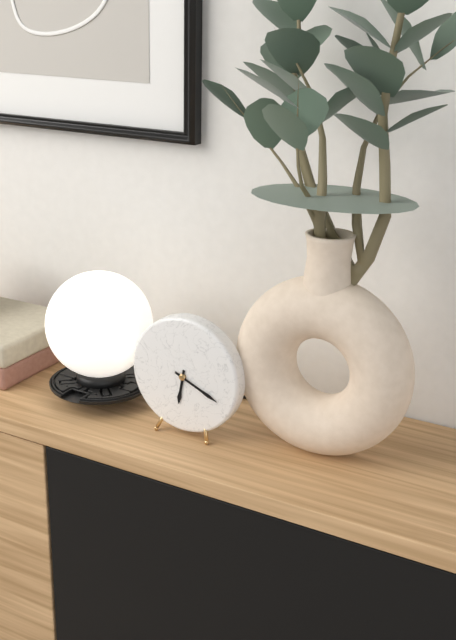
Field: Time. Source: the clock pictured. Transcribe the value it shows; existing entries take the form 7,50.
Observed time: 6,19
